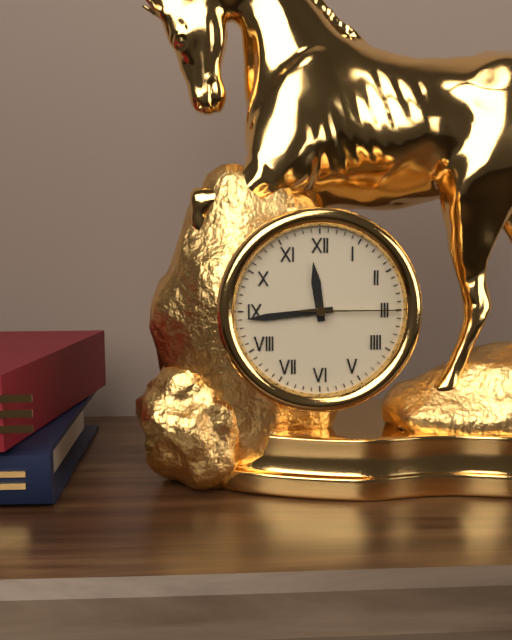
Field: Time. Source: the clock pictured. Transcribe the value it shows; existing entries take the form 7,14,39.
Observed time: 11,44,15
